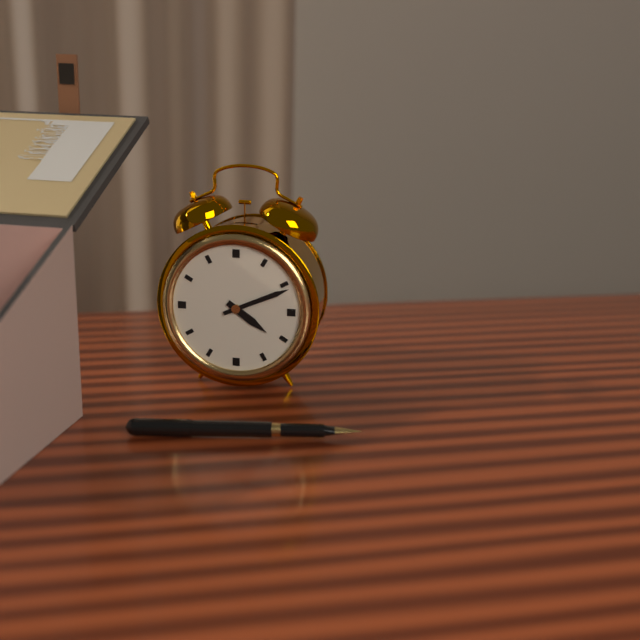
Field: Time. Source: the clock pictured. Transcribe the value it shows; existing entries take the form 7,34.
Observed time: 4,11
